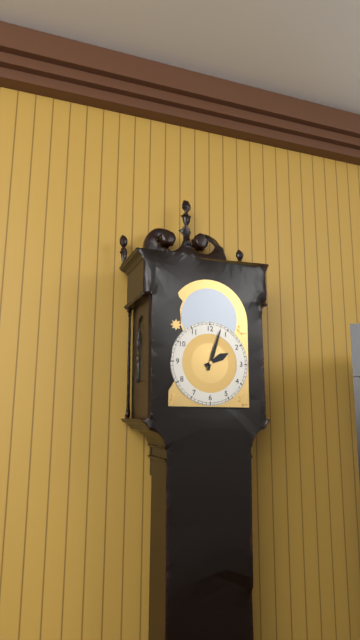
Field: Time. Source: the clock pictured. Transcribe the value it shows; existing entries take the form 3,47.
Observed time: 2,03
